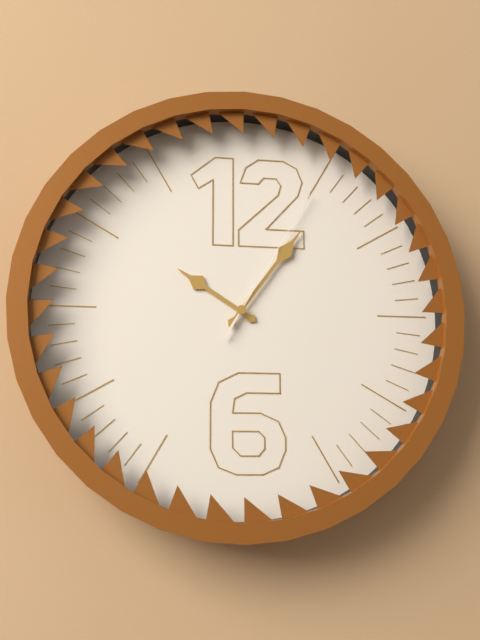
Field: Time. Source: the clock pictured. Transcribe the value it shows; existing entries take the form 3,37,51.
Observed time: 10,06,05
